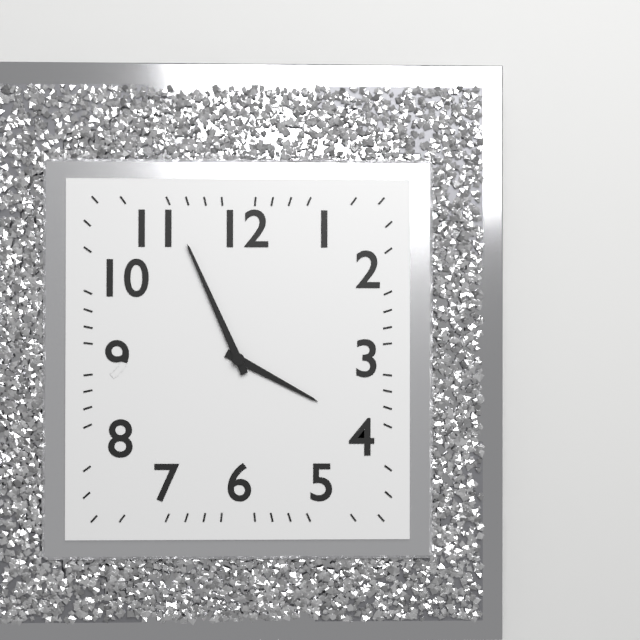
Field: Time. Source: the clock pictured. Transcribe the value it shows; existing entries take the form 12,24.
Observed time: 3,56
